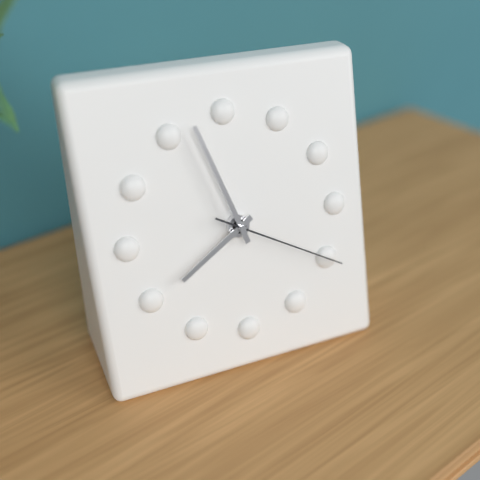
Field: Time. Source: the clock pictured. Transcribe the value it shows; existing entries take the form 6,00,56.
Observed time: 7,57,20
